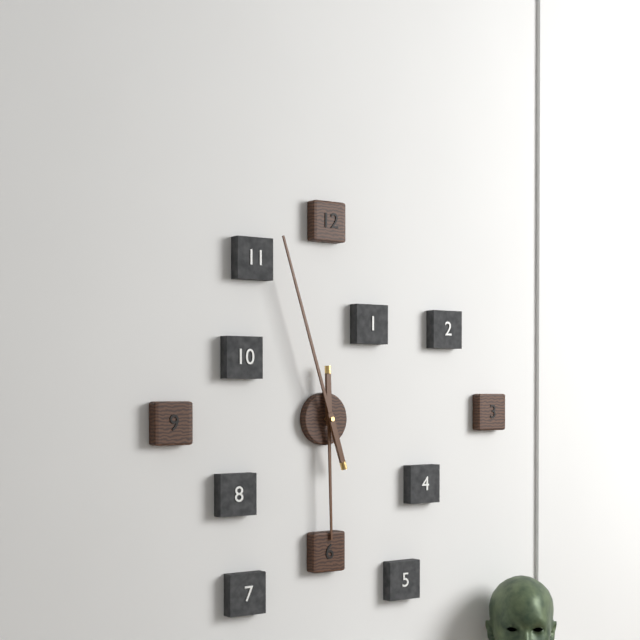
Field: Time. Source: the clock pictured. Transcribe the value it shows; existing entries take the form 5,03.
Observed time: 5,57
